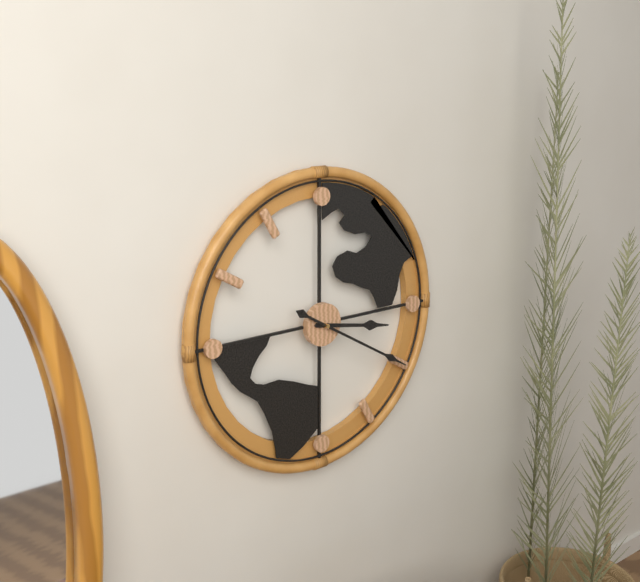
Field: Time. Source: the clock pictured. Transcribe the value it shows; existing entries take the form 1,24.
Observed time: 3,20
